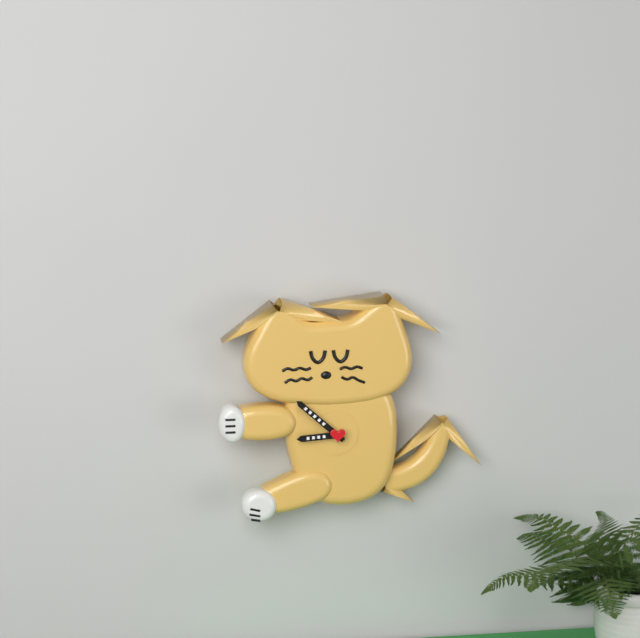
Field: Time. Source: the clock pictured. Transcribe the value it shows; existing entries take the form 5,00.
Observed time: 8,52
